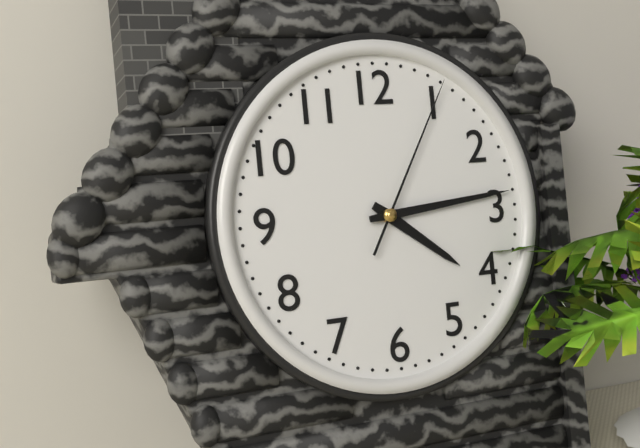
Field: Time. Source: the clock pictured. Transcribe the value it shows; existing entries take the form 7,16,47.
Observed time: 4,14,05
